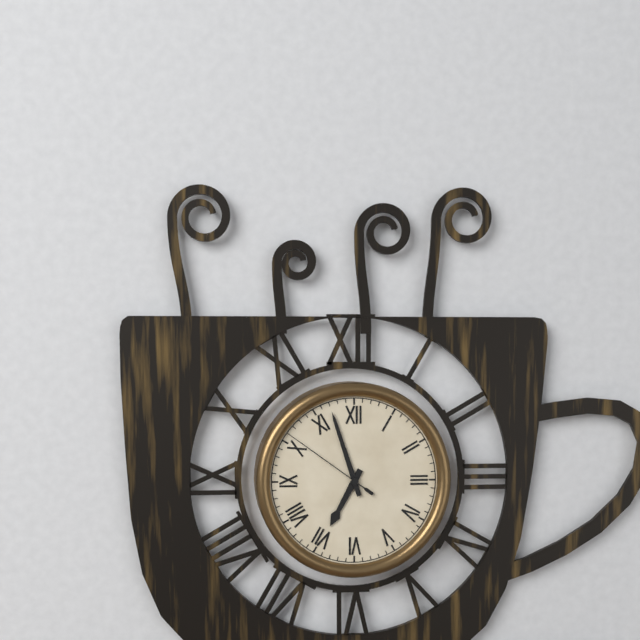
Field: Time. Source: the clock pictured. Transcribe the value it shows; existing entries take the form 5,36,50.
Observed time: 6,57,51
